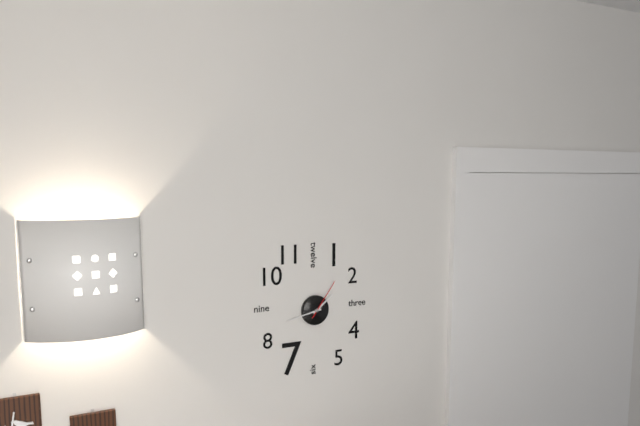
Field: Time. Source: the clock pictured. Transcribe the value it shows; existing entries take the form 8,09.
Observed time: 1,43
